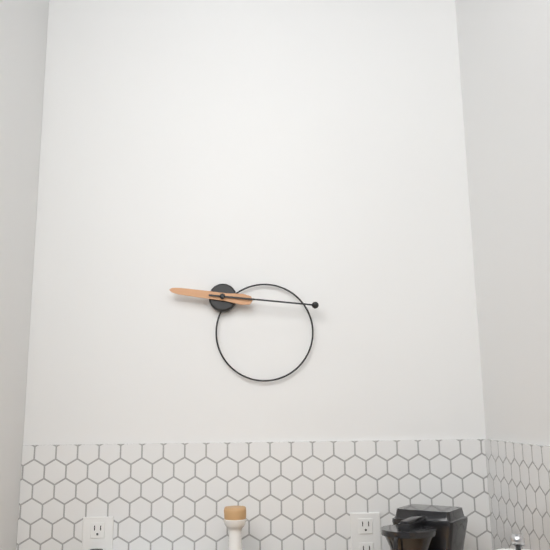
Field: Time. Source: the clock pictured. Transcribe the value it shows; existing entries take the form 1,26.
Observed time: 9,16
